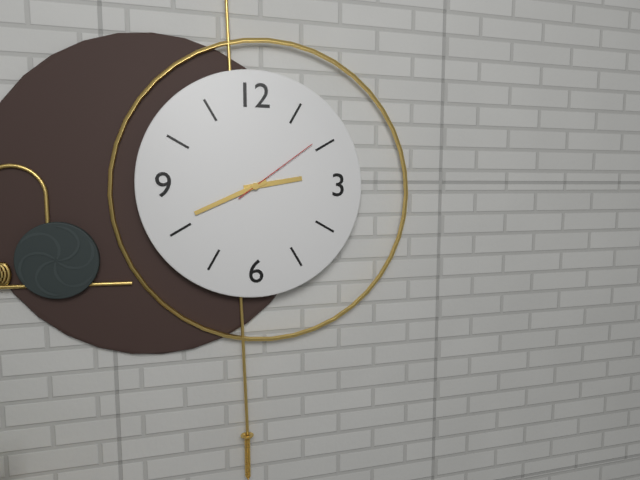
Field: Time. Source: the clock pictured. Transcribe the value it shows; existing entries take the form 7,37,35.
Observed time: 2,41,09
